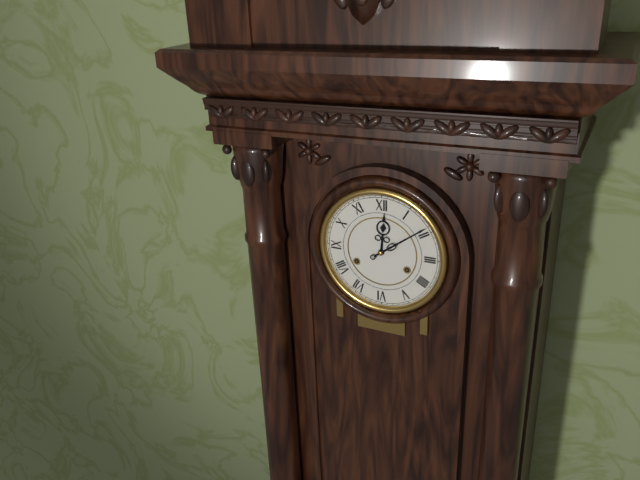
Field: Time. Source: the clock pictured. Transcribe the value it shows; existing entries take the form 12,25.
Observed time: 12,09
